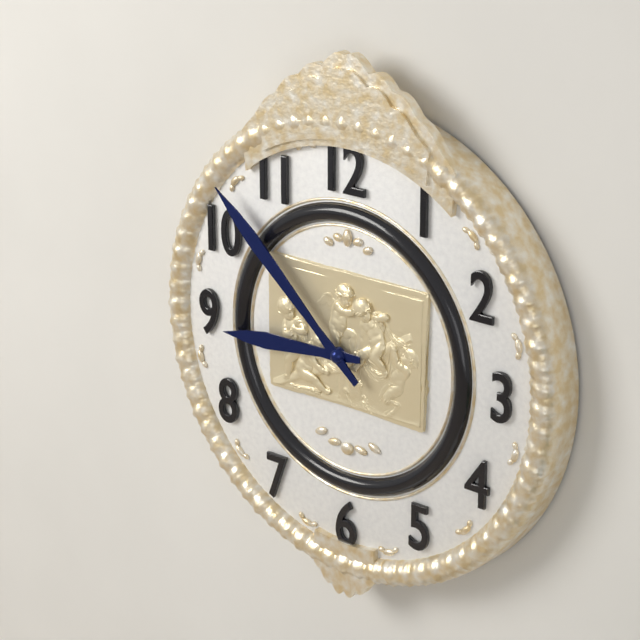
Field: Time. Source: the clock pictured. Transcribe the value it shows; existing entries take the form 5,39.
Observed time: 8,52
